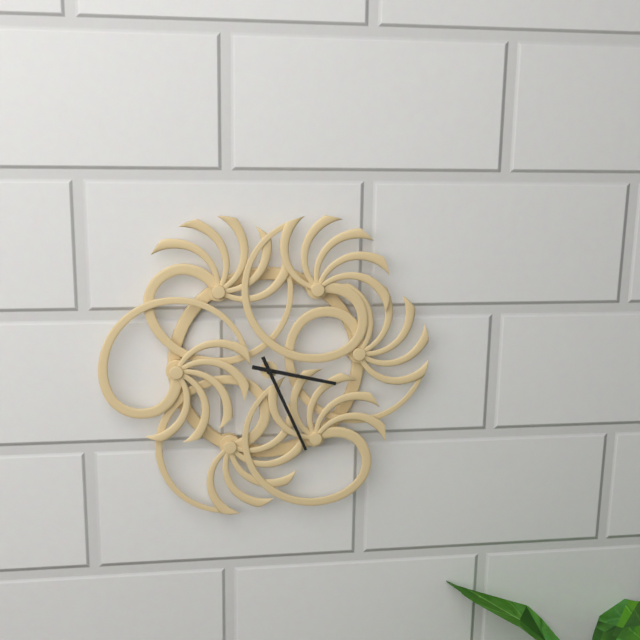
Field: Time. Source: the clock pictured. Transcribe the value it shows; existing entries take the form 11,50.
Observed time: 3,26
